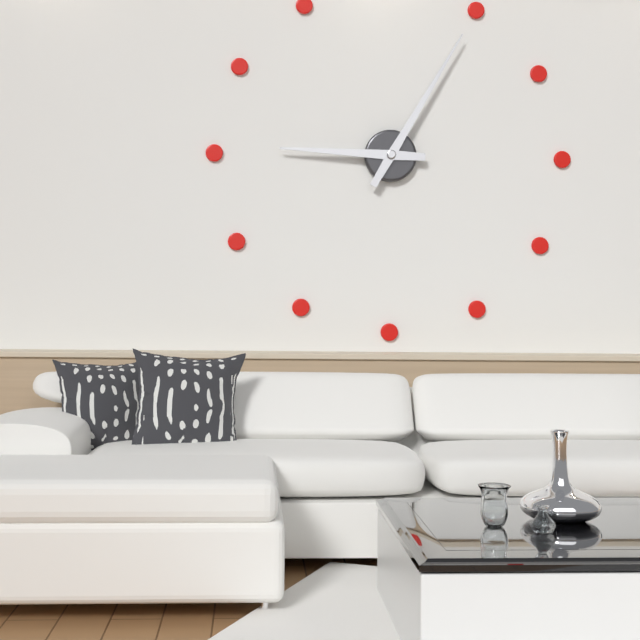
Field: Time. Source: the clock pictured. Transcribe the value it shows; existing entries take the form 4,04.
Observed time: 9,05
